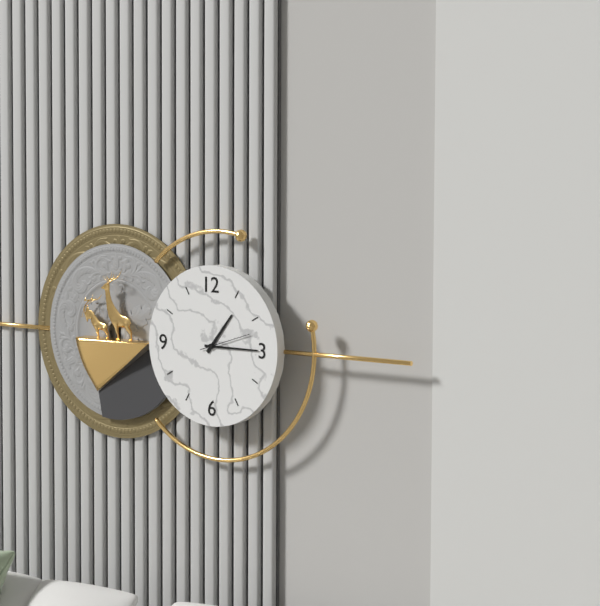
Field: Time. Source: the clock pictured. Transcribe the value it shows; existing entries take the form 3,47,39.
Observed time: 1,15,12
